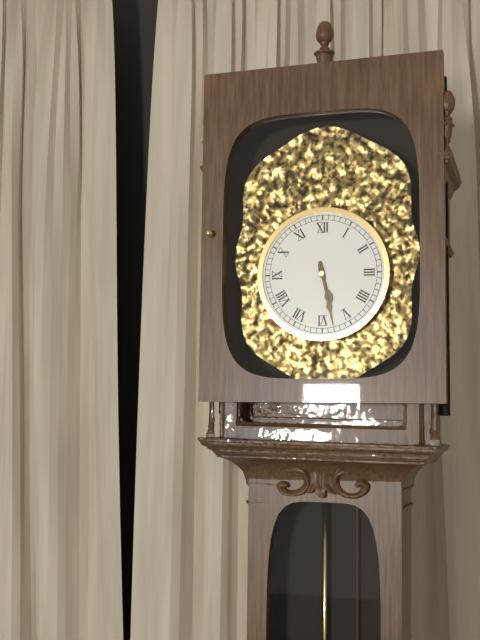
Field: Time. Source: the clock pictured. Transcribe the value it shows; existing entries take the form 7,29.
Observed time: 5,28
